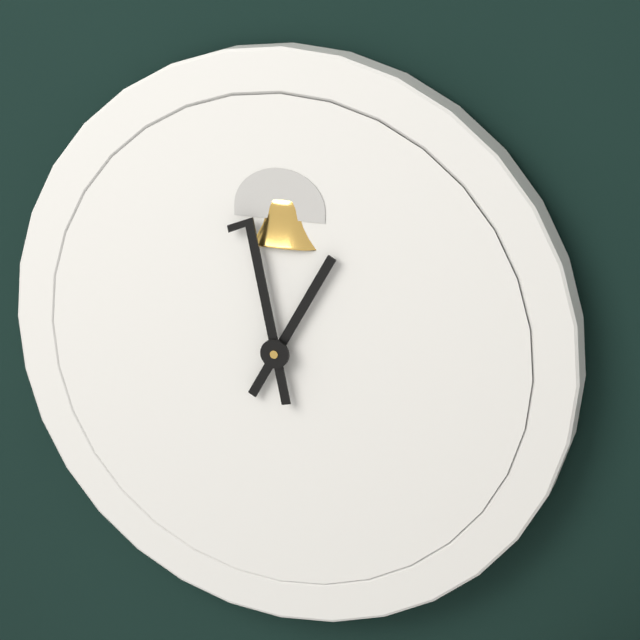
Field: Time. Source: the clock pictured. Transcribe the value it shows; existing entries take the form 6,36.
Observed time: 12,58
